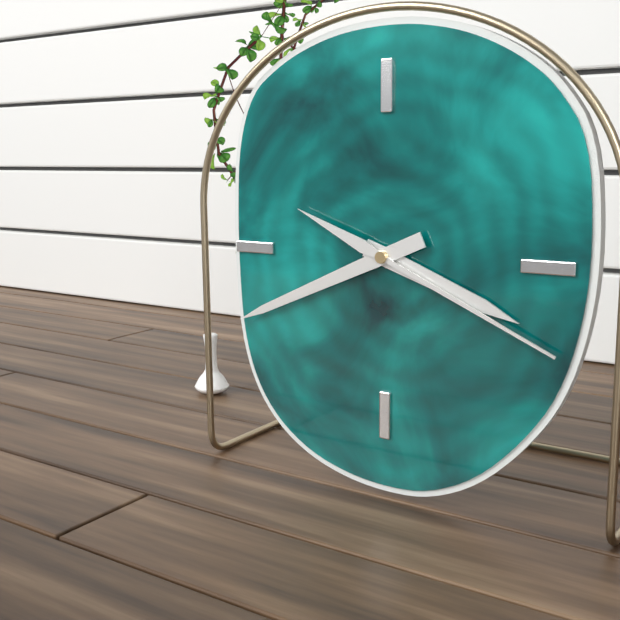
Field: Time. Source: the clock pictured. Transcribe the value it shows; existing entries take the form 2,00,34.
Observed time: 3,41,19
